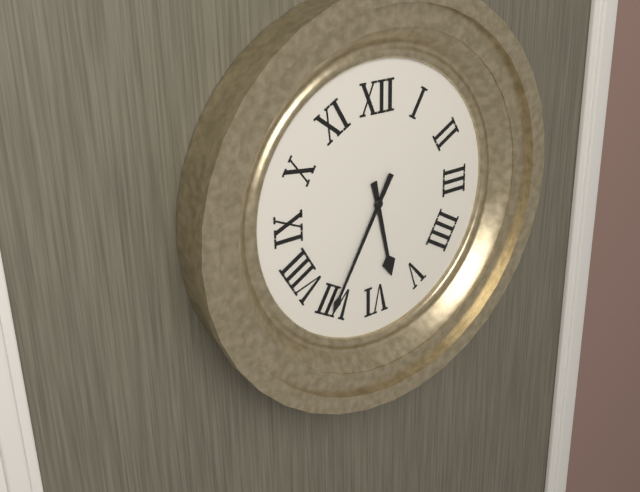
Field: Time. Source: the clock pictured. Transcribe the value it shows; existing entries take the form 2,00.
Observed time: 5,35
